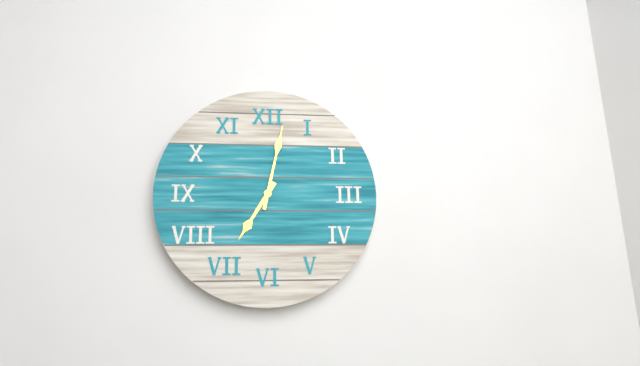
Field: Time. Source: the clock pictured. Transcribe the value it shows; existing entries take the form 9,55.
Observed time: 7,02
